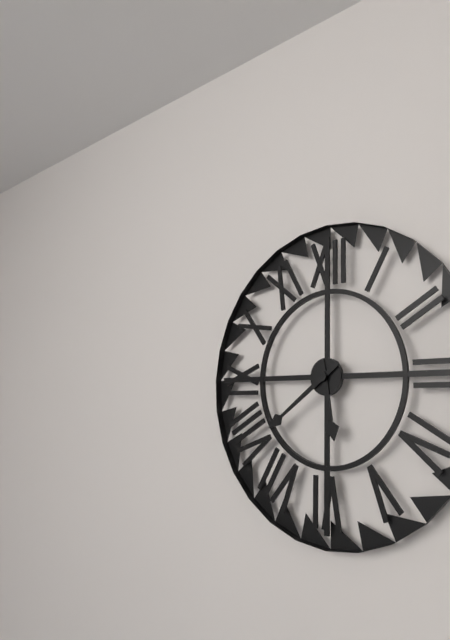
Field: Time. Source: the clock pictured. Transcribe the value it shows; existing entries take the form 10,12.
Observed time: 5,39
